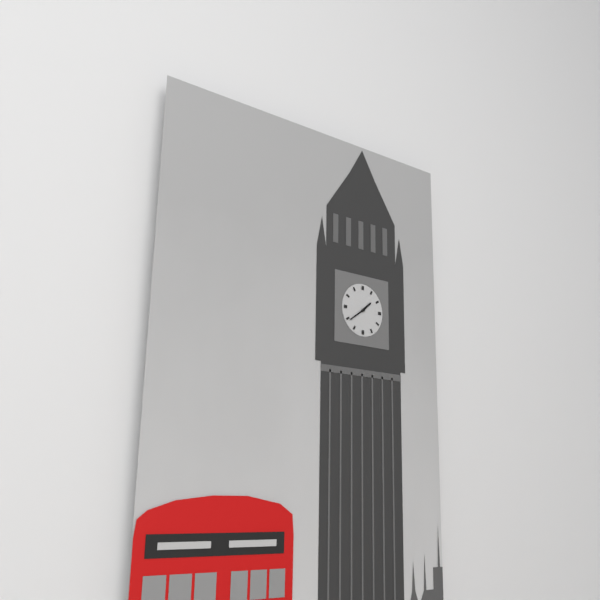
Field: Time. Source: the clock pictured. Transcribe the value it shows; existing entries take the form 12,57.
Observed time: 1,39
